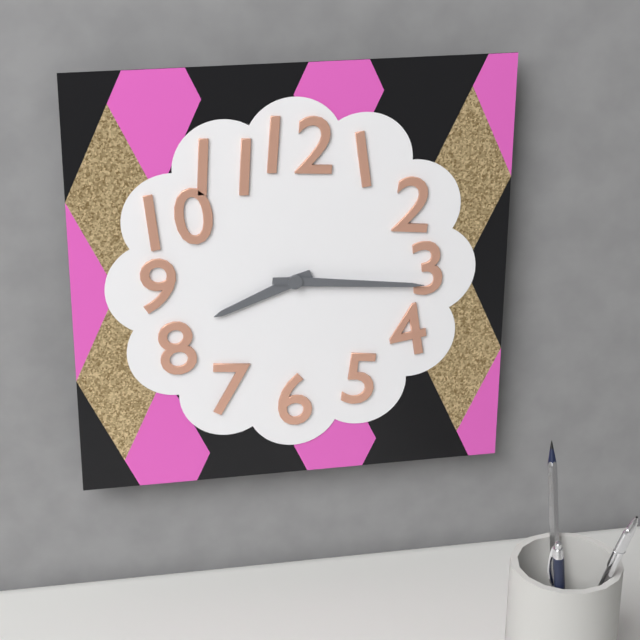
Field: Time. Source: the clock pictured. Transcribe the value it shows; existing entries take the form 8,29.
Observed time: 8,16
